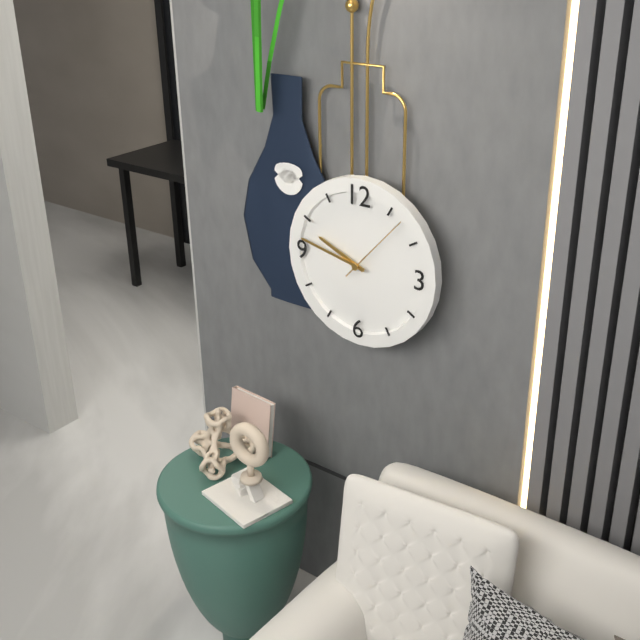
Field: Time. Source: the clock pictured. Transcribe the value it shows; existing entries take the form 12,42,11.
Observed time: 9,47,07
